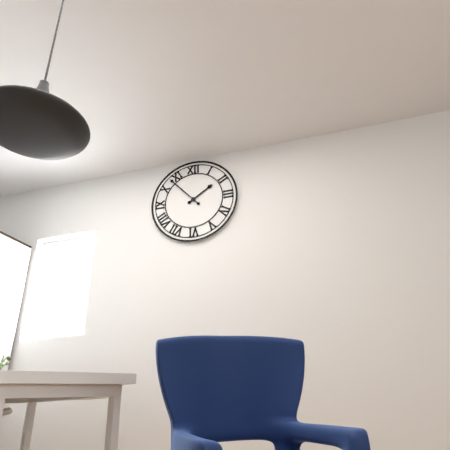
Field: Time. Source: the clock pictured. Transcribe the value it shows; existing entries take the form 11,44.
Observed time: 1,53
